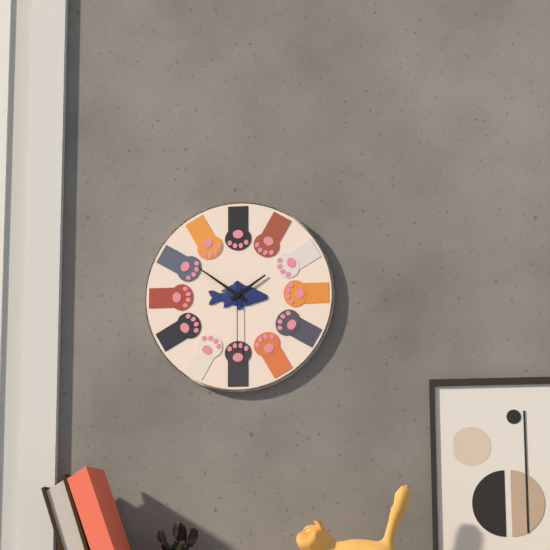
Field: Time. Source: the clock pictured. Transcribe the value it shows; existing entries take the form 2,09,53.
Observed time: 1,51,30
